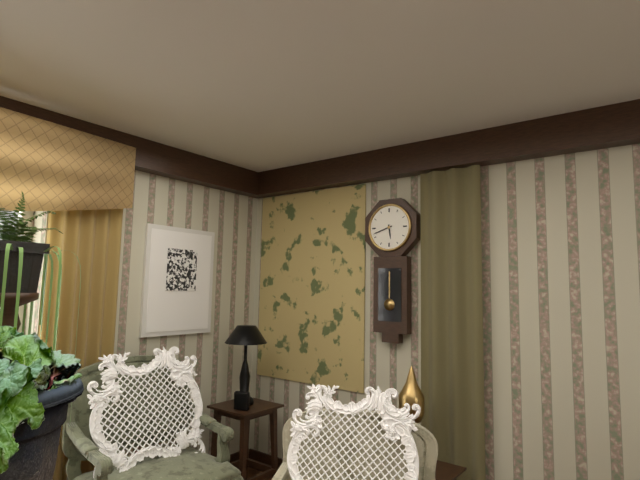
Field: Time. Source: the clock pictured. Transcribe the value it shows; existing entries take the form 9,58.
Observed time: 5,42
